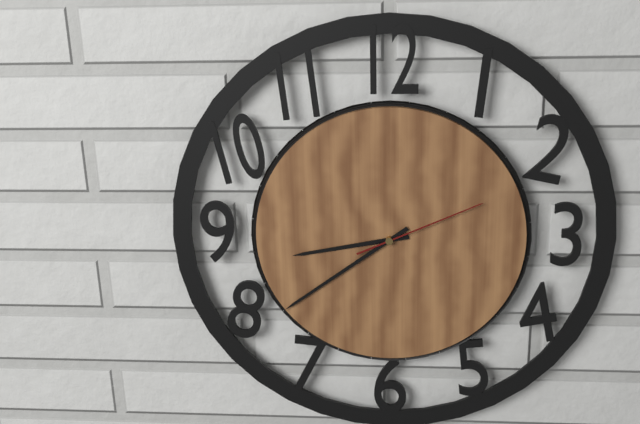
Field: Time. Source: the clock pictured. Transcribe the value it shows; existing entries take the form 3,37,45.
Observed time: 8,39,11
